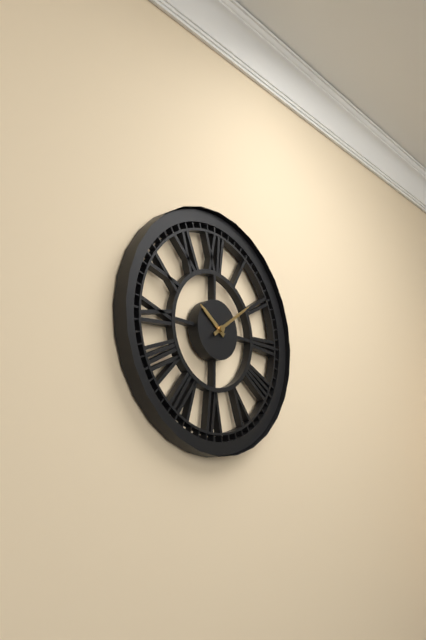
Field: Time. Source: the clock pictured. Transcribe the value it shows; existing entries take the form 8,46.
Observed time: 10,09
